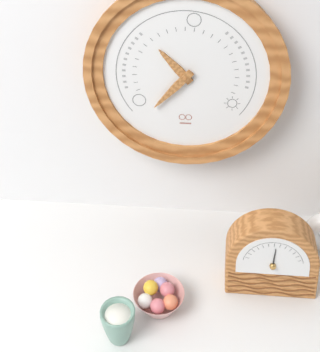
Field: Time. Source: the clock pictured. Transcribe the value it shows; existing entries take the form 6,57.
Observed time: 10,37
